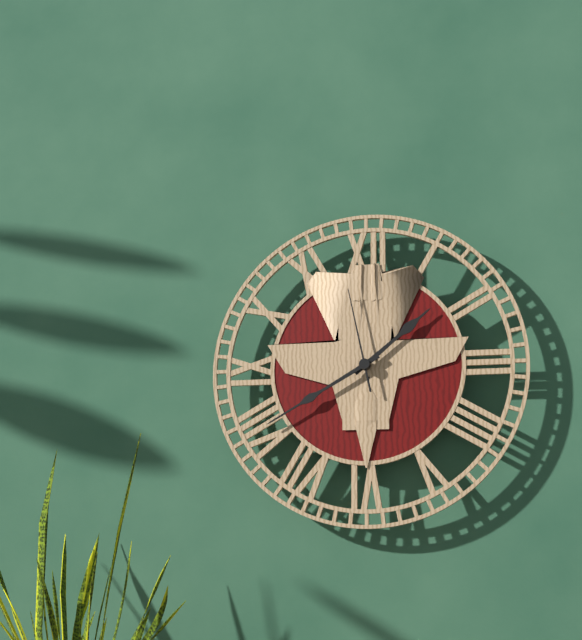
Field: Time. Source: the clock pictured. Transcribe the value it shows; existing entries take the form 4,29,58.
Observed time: 1,40,58
